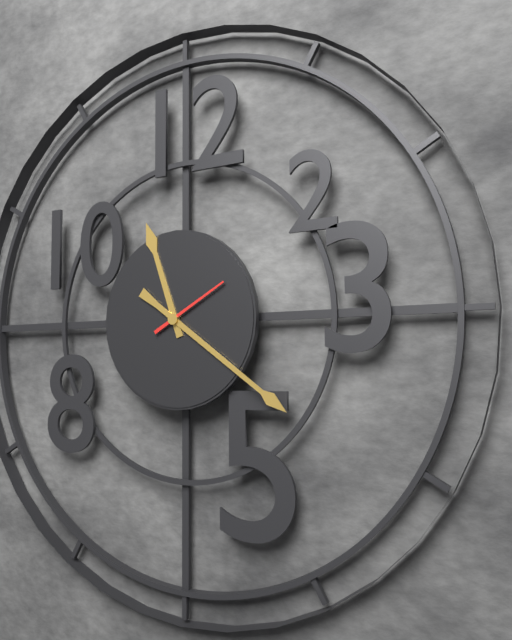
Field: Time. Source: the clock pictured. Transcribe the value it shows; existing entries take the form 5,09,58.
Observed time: 11,21,10
